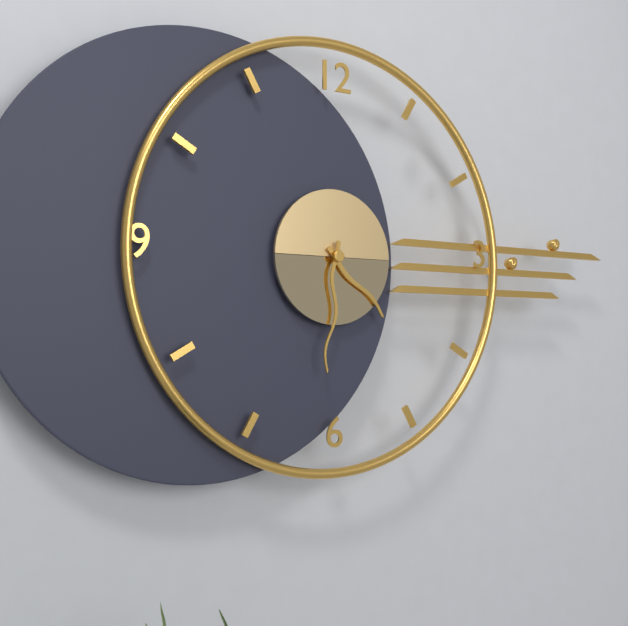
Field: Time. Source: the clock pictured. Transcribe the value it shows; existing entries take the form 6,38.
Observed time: 4,31
